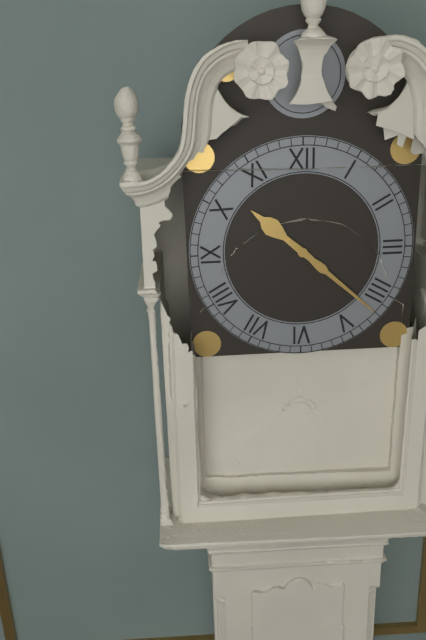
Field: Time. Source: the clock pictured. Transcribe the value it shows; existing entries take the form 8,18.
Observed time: 10,22
